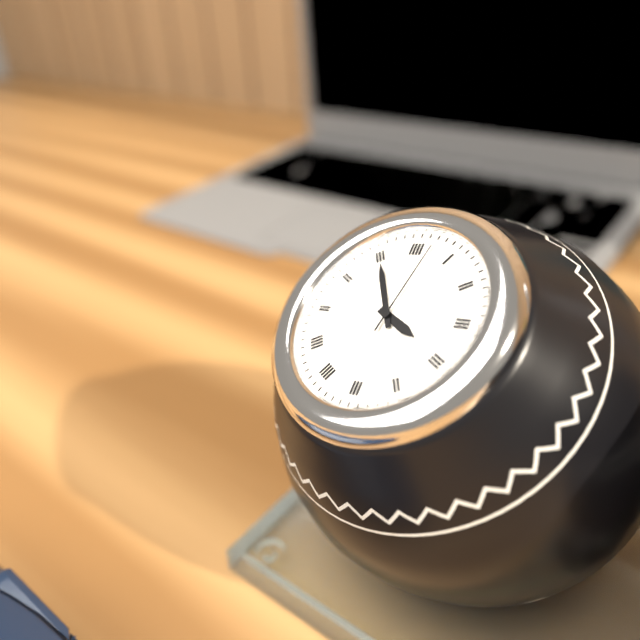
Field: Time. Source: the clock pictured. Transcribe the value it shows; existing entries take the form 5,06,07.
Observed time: 3,55,02
